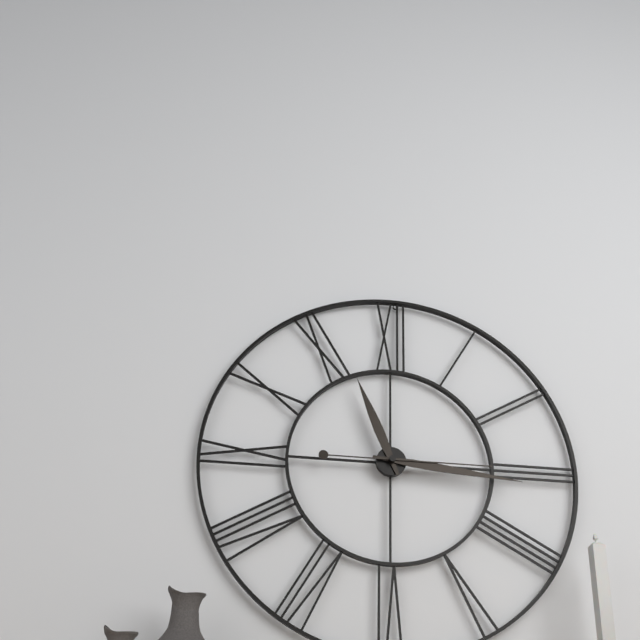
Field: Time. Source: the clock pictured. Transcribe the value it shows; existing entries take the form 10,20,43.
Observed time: 11,16,15
